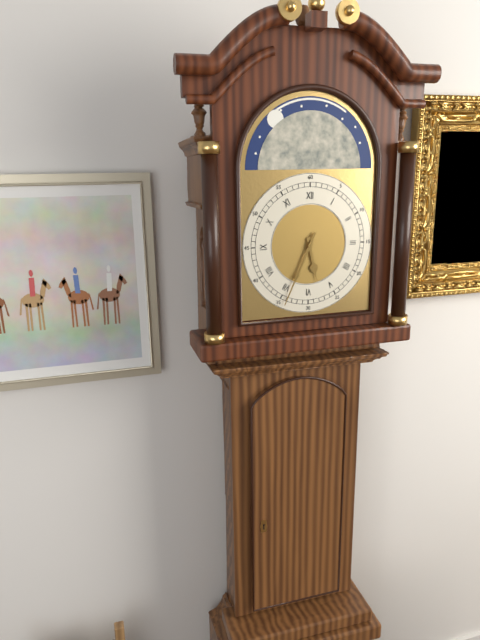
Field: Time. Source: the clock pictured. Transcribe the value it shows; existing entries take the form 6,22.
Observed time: 5,34
